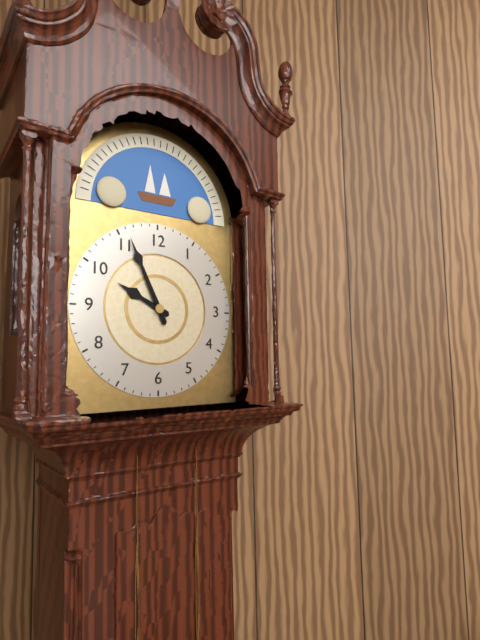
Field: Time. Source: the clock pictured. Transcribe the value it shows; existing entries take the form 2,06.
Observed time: 9,56
